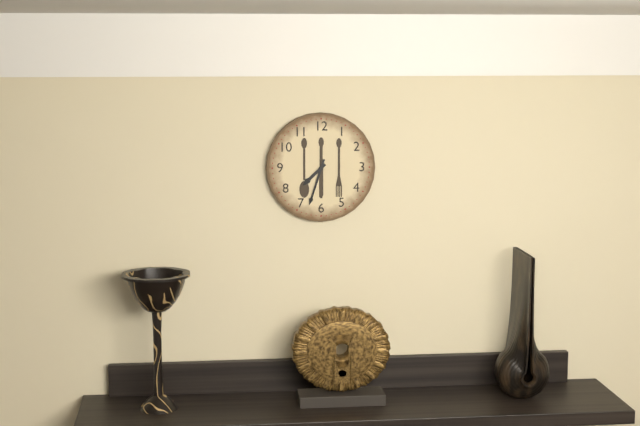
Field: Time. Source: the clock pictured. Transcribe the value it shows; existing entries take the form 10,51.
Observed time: 7,33
